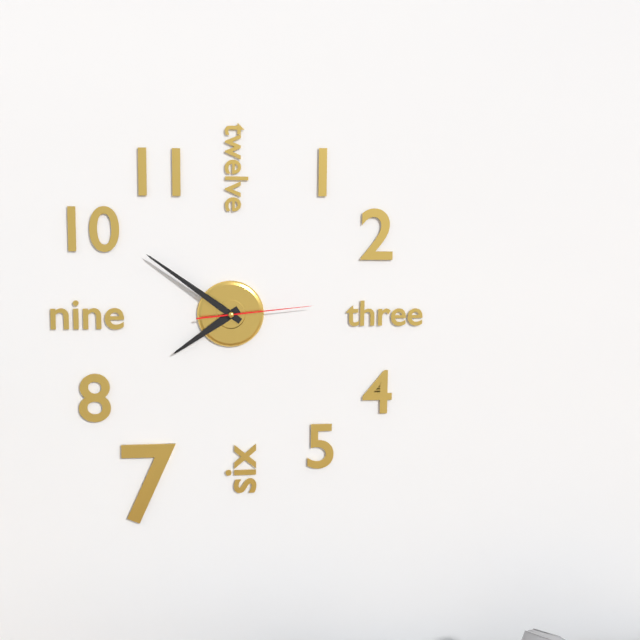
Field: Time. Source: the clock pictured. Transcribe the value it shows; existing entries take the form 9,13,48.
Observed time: 7,51,14
